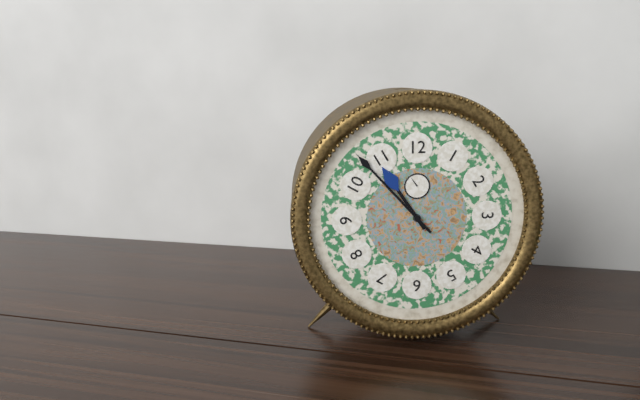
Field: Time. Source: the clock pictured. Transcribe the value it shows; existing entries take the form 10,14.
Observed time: 10,53
